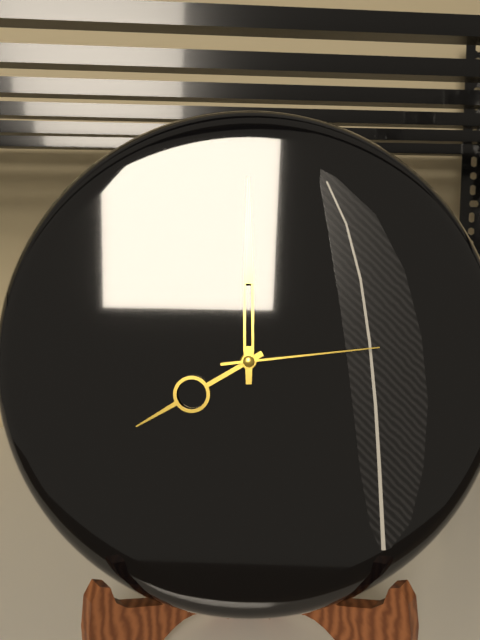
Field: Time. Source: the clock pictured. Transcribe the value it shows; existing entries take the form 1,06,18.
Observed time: 8,00,14
